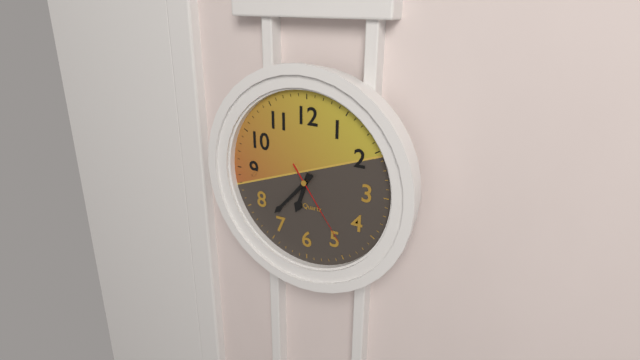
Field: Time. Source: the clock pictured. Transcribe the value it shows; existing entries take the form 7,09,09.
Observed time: 6,37,24
